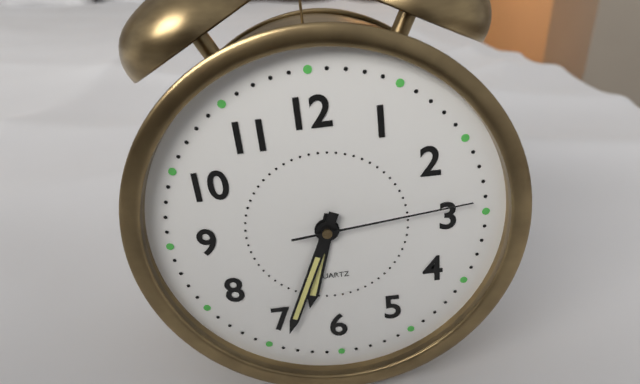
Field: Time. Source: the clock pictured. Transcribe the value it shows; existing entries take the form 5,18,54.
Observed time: 6,34,14
